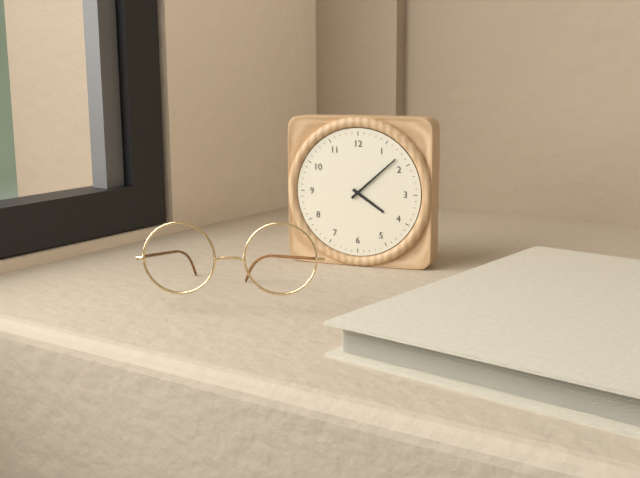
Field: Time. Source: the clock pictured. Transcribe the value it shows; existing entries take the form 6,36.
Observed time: 4,08
